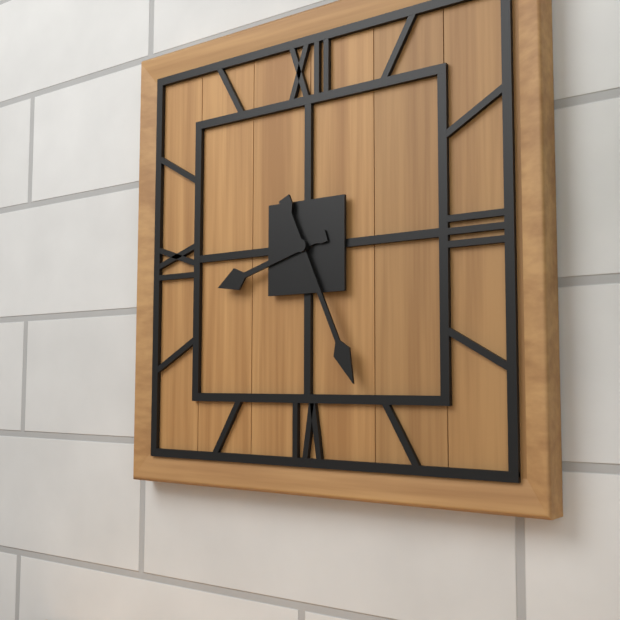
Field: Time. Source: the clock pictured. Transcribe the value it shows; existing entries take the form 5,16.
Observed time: 8,26
